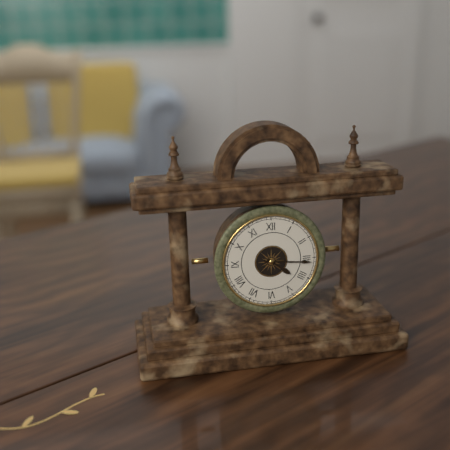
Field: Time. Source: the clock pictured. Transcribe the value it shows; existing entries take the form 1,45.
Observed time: 4,16
